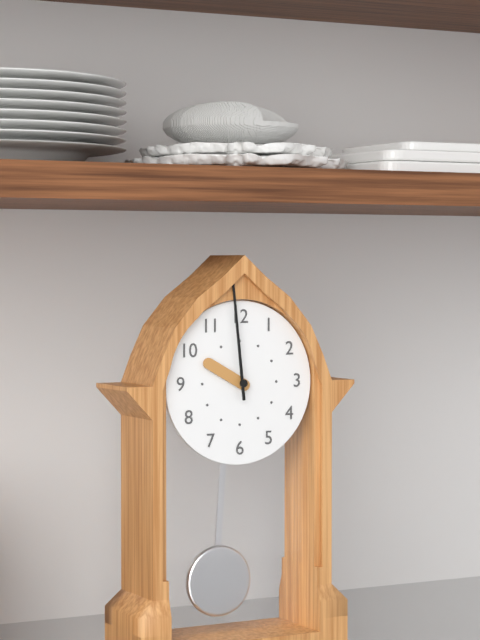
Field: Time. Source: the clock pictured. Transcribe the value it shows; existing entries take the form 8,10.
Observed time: 9,59
